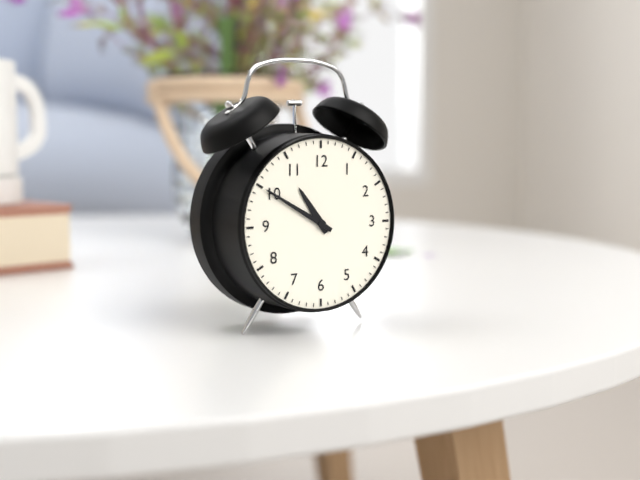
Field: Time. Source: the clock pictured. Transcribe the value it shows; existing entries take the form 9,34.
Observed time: 10,50
